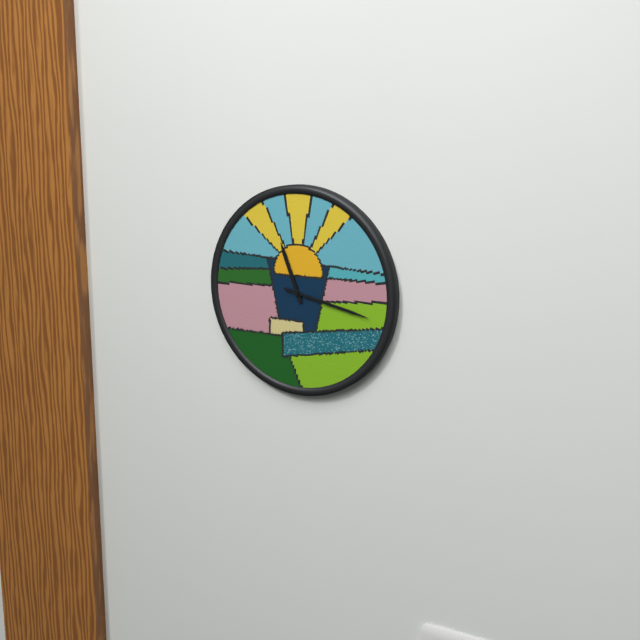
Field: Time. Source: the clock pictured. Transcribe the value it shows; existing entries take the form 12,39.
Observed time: 11,17
